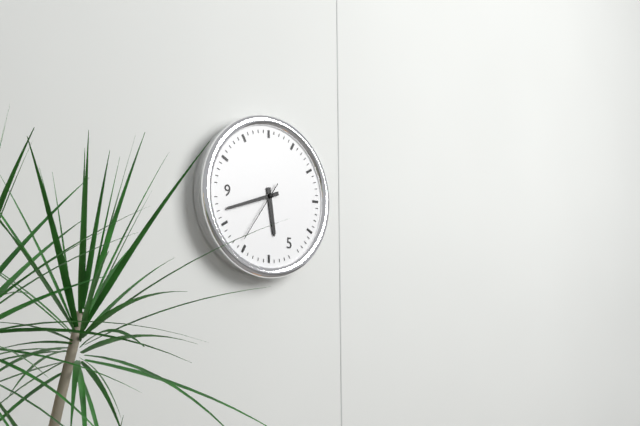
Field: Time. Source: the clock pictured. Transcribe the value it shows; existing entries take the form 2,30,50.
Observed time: 5,42,36
